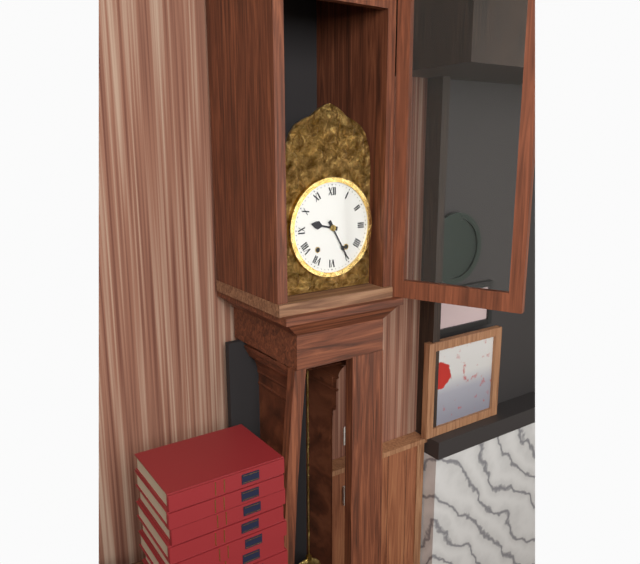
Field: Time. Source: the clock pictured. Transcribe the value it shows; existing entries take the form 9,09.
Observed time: 9,25
